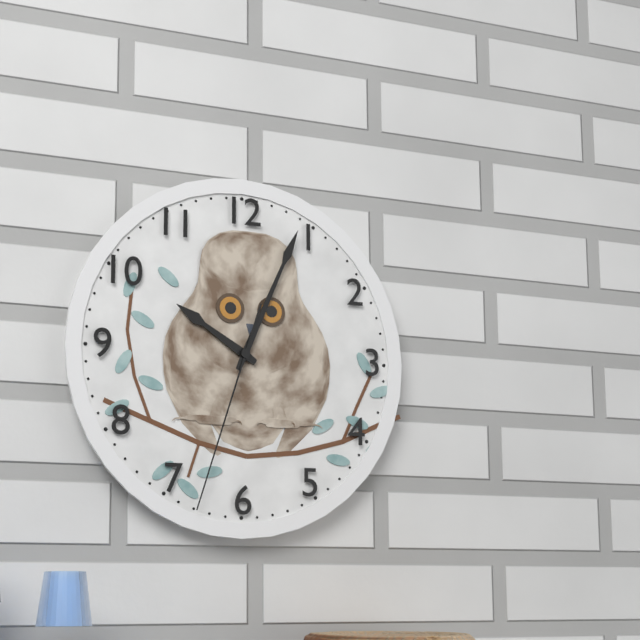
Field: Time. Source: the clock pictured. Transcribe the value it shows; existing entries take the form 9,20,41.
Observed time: 10,04,33
